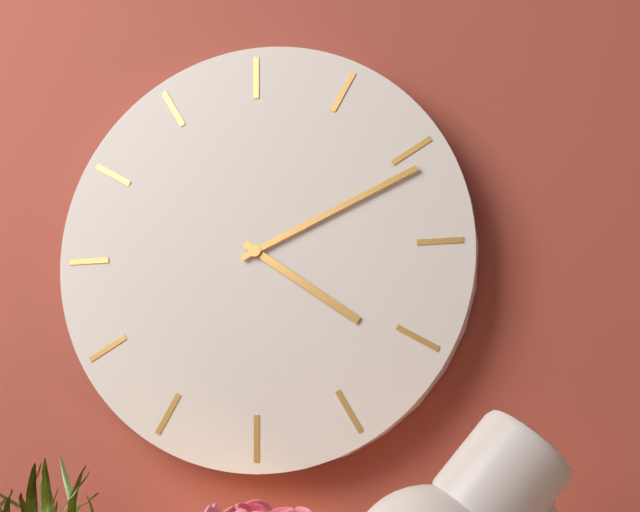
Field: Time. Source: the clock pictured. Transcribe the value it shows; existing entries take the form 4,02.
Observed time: 4,11
